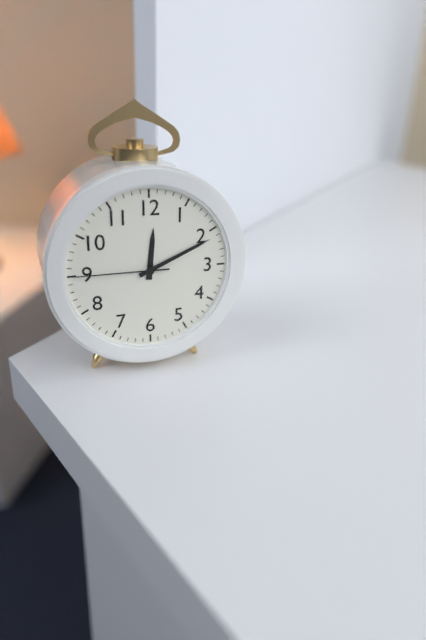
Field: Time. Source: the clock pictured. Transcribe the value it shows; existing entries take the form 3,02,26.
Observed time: 12,11,45
